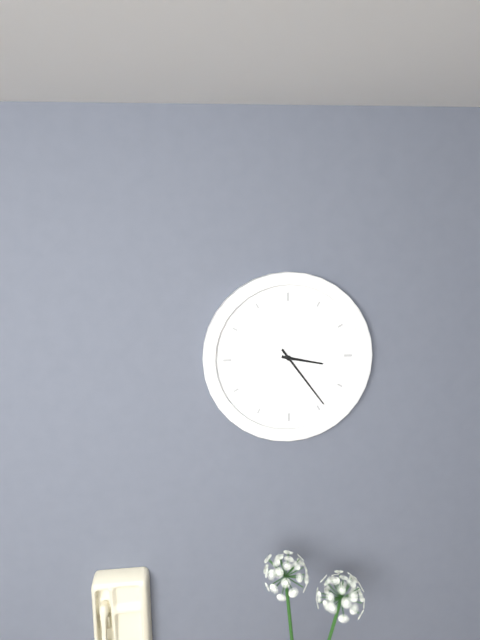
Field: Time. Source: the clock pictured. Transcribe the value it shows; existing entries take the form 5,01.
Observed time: 3,24
